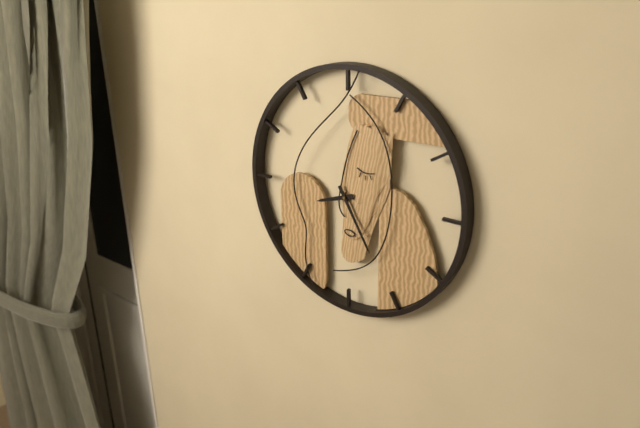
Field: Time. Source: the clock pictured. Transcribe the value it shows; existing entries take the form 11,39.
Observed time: 8,25
